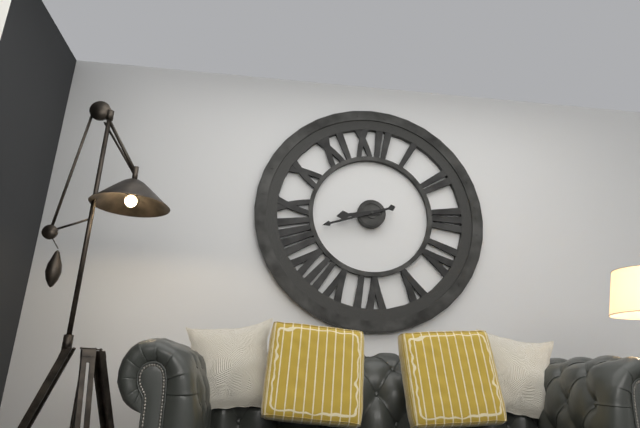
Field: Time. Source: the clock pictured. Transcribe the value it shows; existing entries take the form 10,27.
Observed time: 8,42
